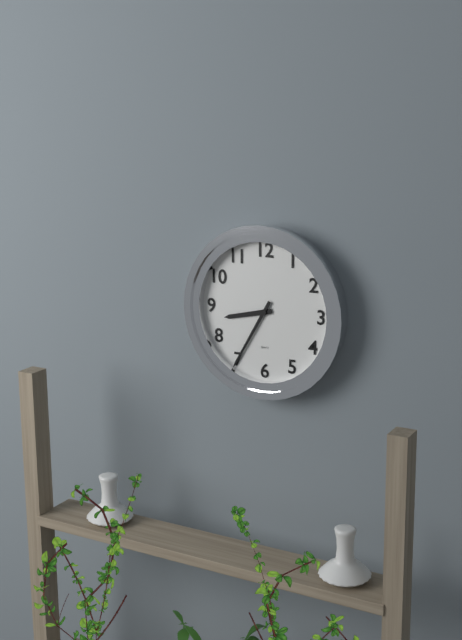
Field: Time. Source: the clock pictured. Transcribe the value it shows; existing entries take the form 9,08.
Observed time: 8,35
